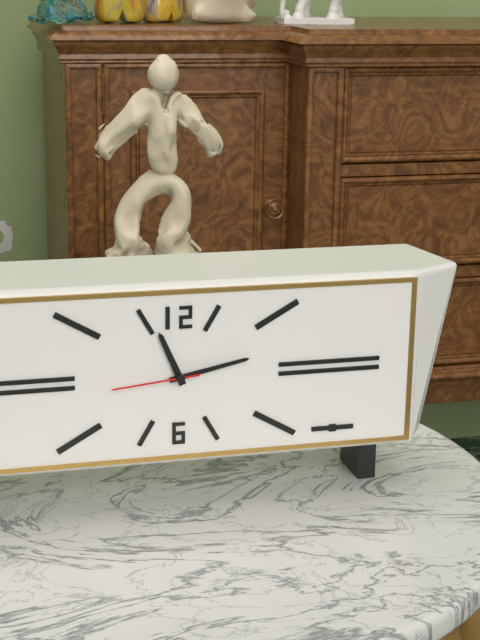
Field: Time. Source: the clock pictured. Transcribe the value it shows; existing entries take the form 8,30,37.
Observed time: 11,13,44
